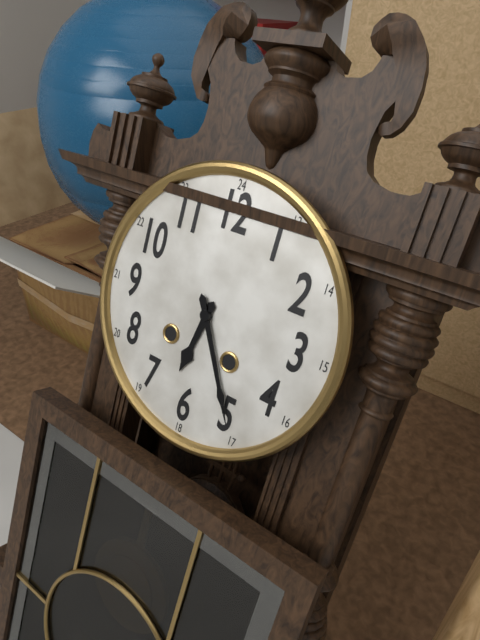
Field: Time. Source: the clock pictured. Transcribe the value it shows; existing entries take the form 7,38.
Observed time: 6,25
